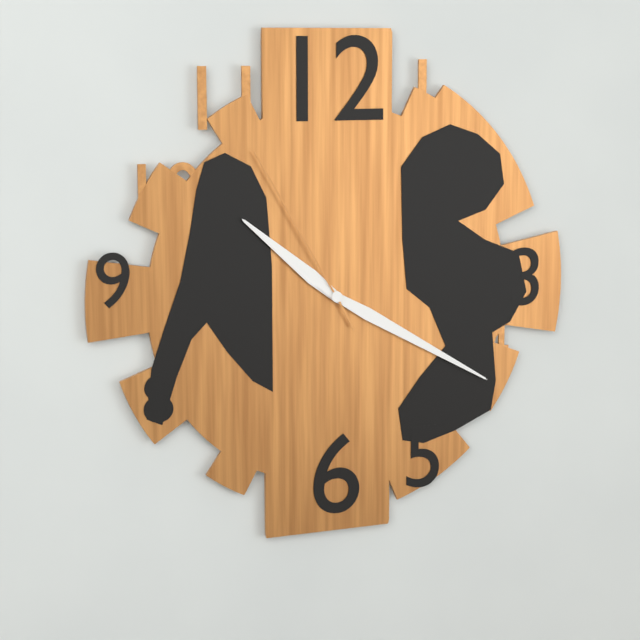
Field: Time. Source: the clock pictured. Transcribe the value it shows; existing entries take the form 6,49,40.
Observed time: 10,20,55
